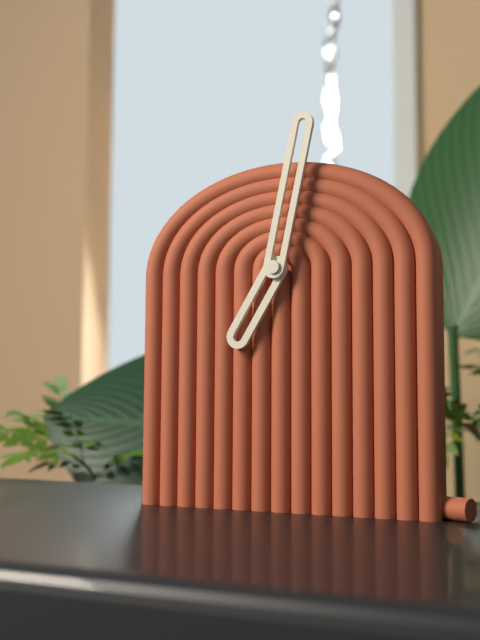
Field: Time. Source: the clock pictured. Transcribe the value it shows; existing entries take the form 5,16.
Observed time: 7,02
